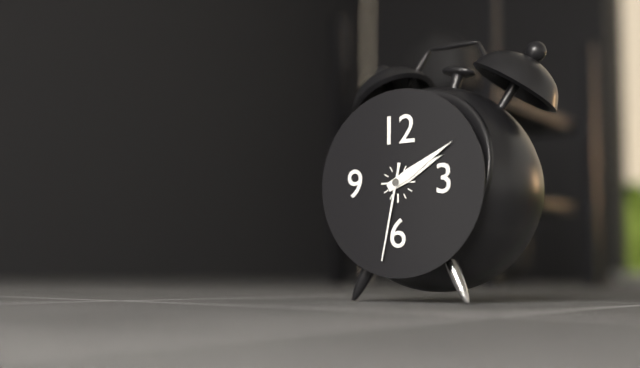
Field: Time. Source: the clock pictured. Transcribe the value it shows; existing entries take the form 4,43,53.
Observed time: 2,10,32
